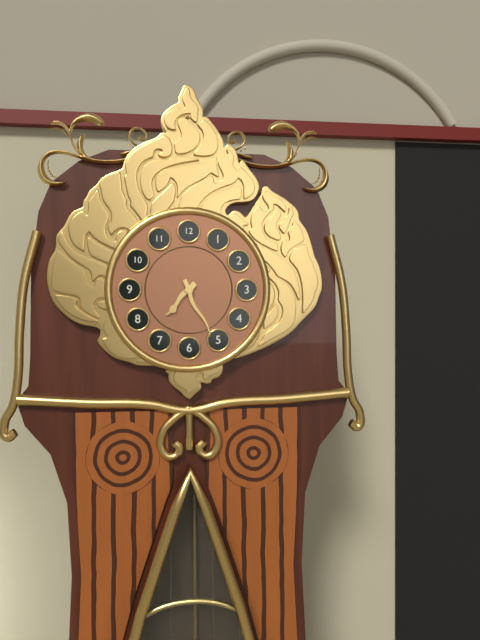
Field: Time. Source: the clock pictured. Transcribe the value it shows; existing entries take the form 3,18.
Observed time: 7,26
